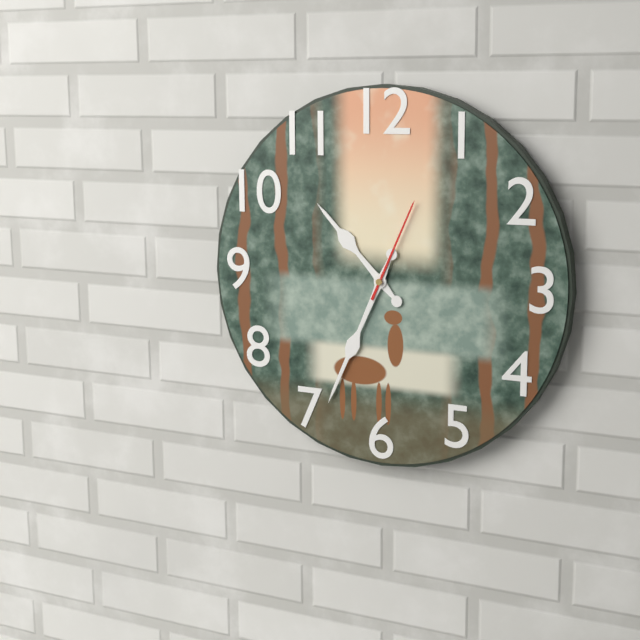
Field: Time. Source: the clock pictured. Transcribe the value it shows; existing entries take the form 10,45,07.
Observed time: 10,34,04
